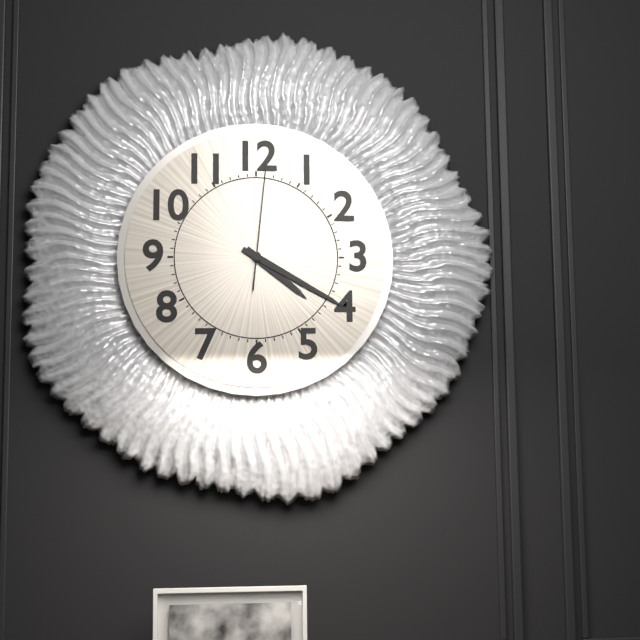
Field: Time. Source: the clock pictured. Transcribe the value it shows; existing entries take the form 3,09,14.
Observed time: 4,20,01
